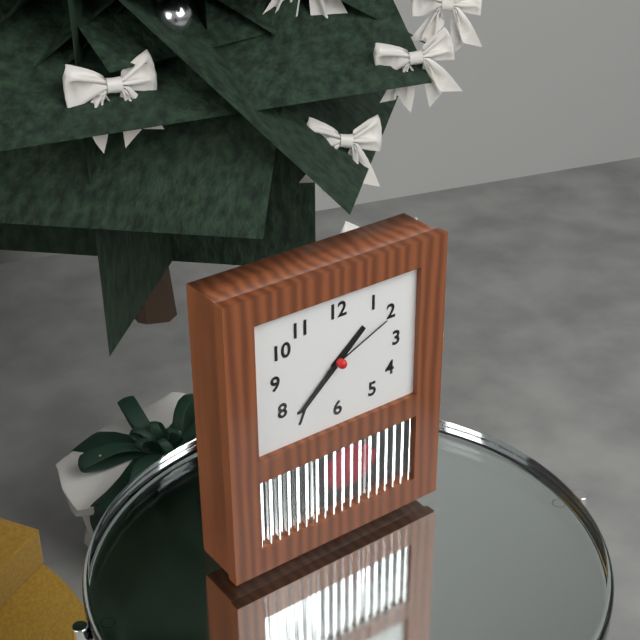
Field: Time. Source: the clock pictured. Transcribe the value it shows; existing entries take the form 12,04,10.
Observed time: 1,38,11
